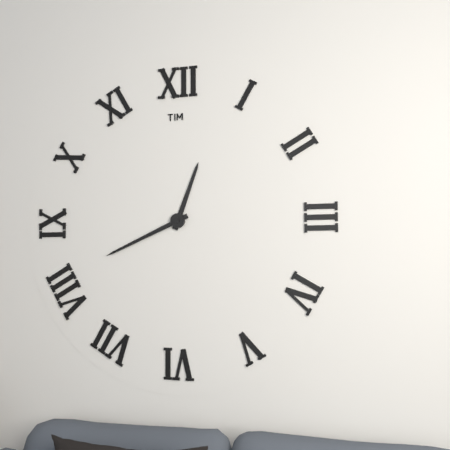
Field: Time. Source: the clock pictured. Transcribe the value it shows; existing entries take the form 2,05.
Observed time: 12,41
